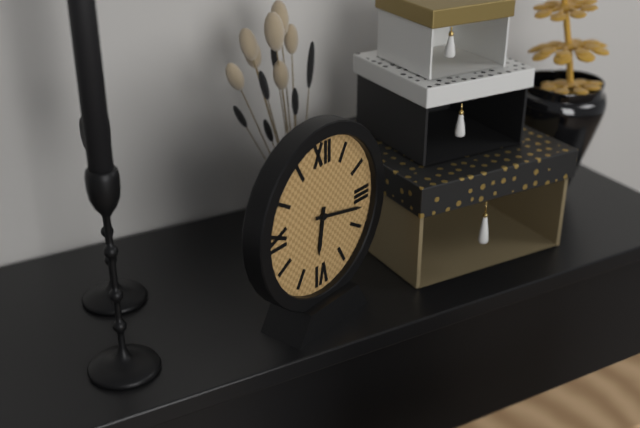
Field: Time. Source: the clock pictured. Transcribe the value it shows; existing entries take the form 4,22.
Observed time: 6,17
